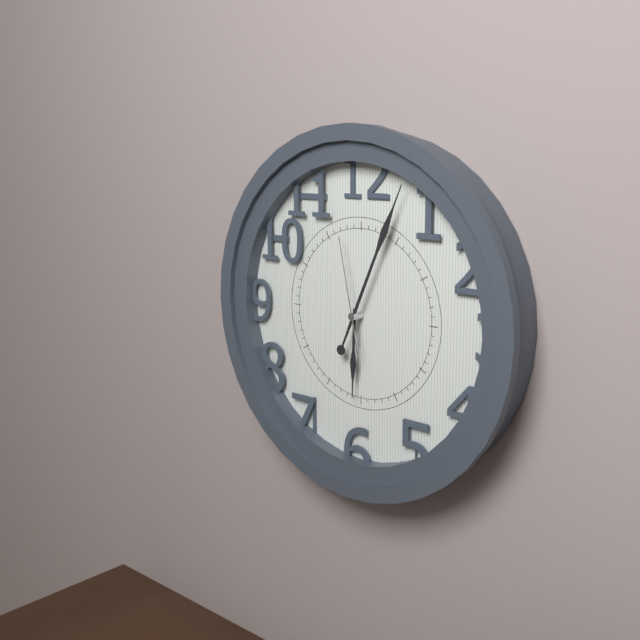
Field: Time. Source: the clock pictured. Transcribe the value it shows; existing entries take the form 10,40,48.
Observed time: 6,04,58
